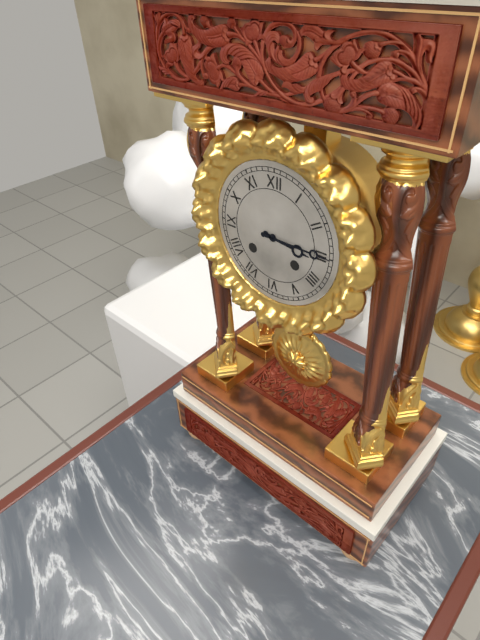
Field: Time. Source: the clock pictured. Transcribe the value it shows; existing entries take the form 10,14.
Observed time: 3,15
